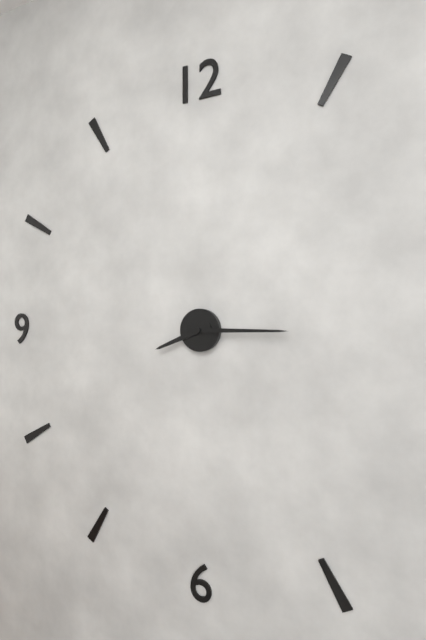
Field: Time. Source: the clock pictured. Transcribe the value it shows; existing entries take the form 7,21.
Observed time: 8,15
